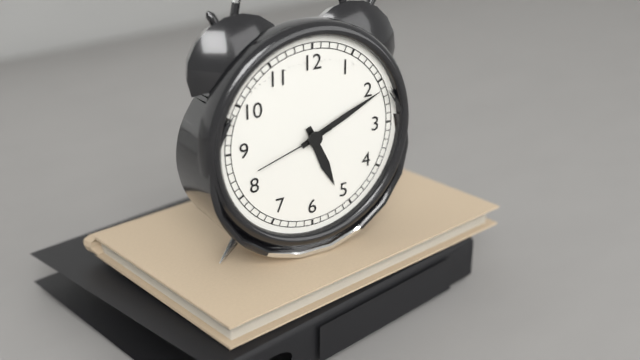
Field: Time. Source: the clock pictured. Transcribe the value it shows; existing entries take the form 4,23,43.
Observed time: 5,11,42
